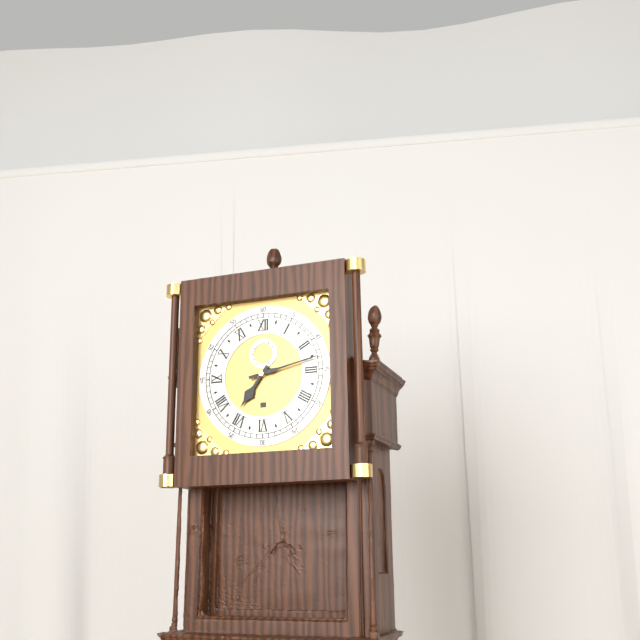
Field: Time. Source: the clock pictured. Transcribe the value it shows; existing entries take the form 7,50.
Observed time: 7,13
